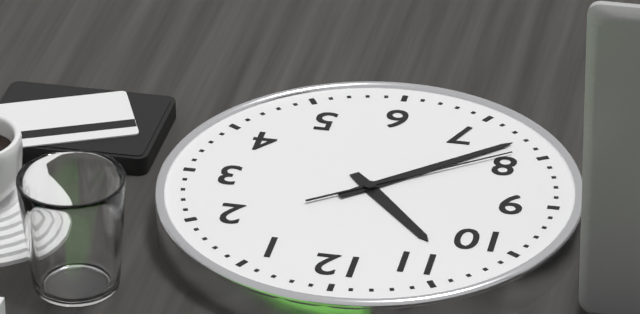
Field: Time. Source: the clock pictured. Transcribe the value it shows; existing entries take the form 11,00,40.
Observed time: 10,38,39
